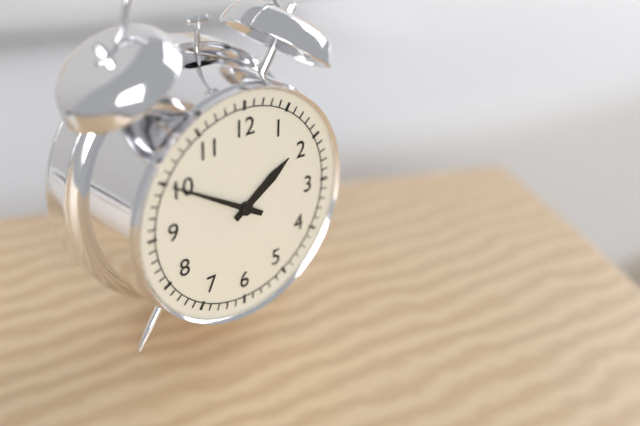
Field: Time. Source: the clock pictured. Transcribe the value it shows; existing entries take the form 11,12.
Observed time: 1,50
